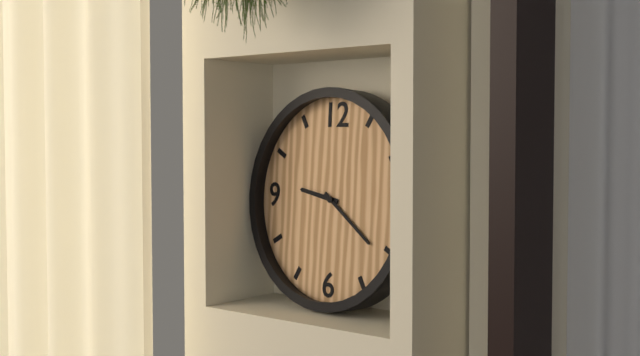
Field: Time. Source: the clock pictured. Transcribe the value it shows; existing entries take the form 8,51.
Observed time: 9,21
